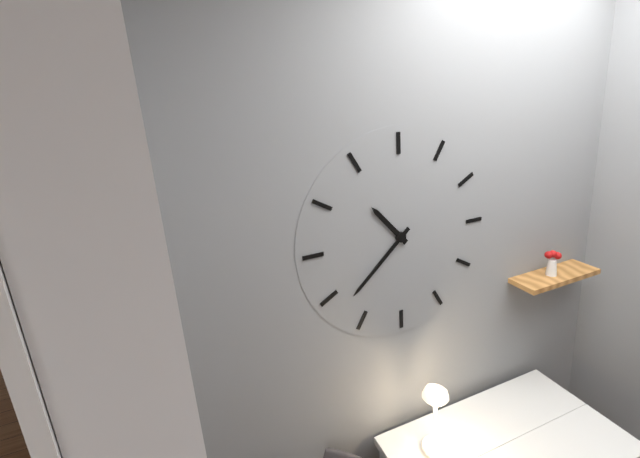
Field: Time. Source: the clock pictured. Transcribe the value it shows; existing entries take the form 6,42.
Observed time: 10,38
